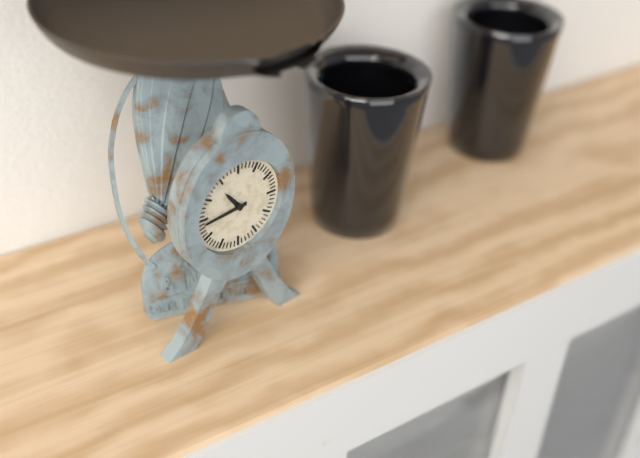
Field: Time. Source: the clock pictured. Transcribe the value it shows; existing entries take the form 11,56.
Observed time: 10,44
